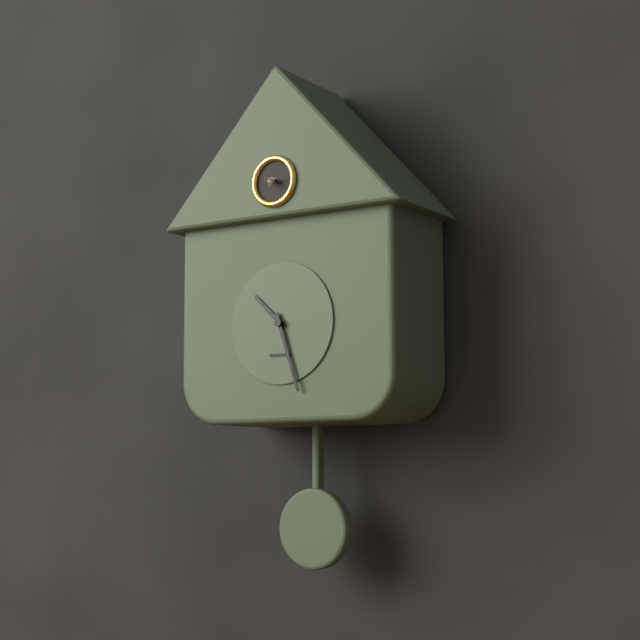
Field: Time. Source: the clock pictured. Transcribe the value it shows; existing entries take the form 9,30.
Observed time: 10,27
